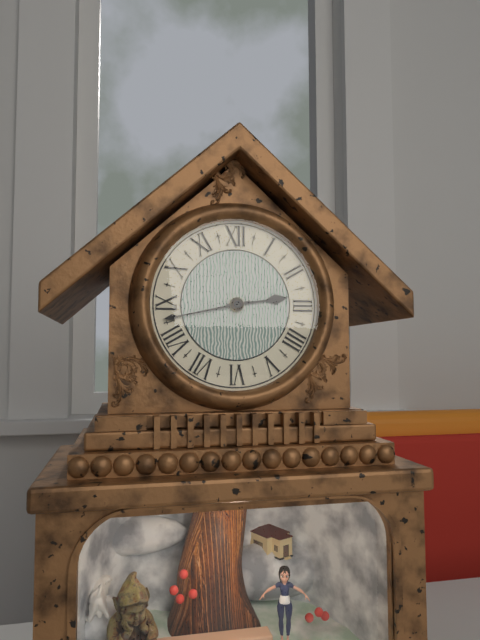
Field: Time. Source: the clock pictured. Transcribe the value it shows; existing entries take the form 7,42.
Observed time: 2,43
